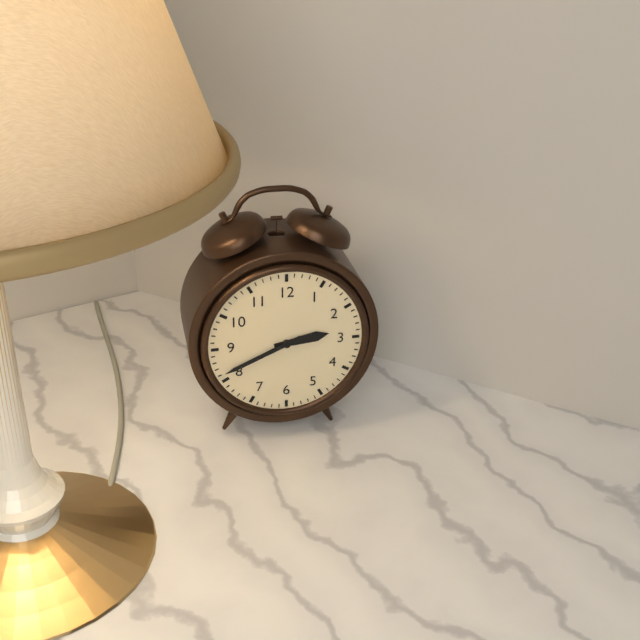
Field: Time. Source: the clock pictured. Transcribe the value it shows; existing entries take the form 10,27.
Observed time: 2,41
